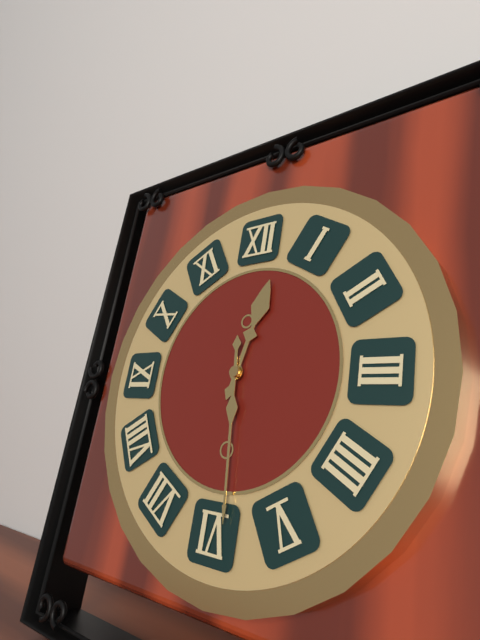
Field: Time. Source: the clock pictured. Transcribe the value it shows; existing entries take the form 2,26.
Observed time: 12,29
